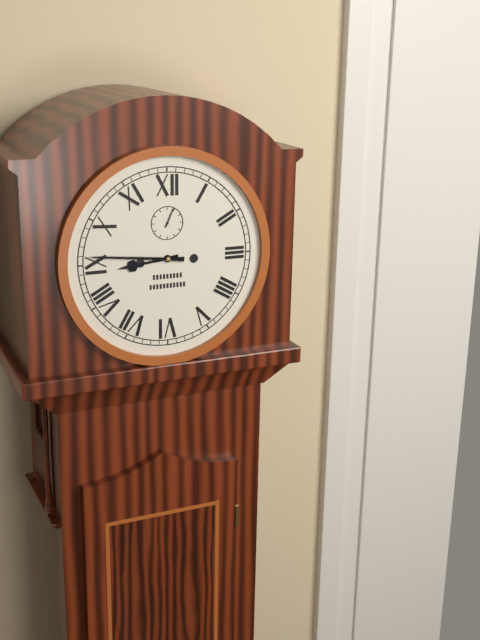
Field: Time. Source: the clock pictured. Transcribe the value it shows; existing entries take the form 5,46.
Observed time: 8,46
